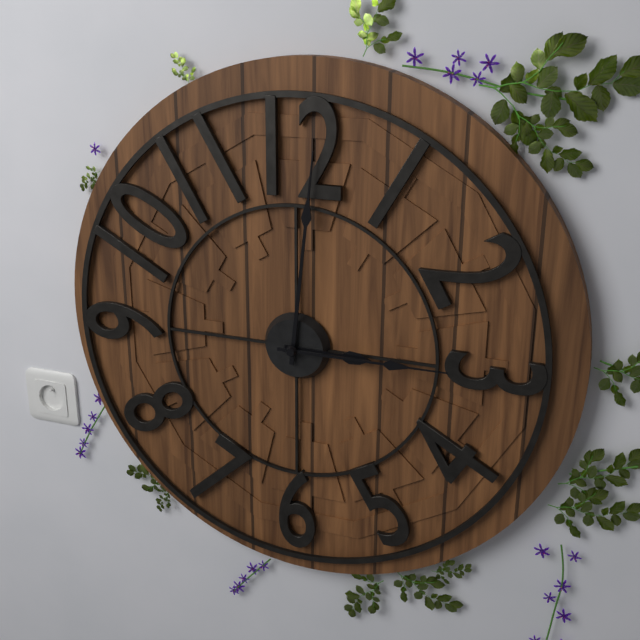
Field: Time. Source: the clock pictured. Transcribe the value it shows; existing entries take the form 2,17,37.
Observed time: 3,01,15
